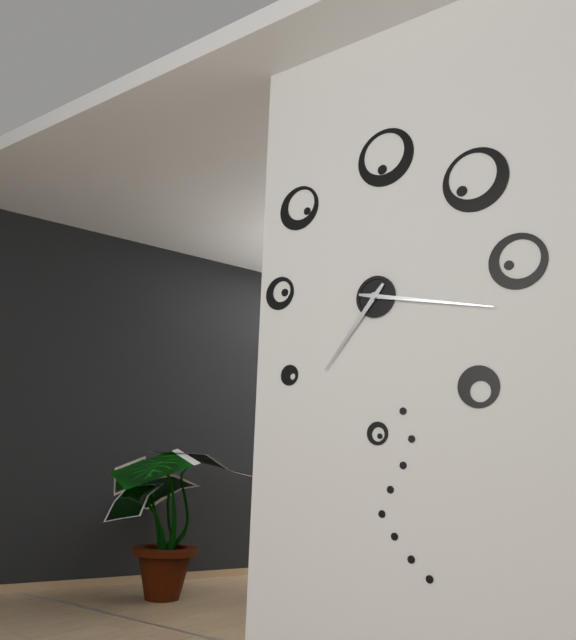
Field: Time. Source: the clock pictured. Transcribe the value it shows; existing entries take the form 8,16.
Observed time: 7,17
